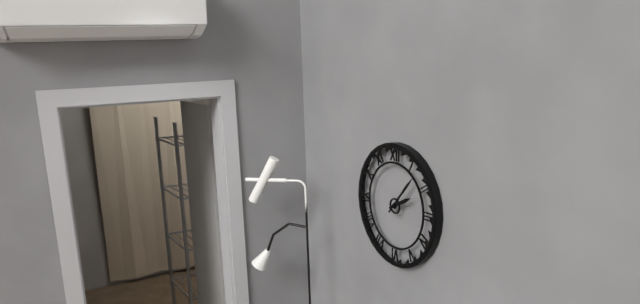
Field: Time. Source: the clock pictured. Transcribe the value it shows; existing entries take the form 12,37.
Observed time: 2,07
